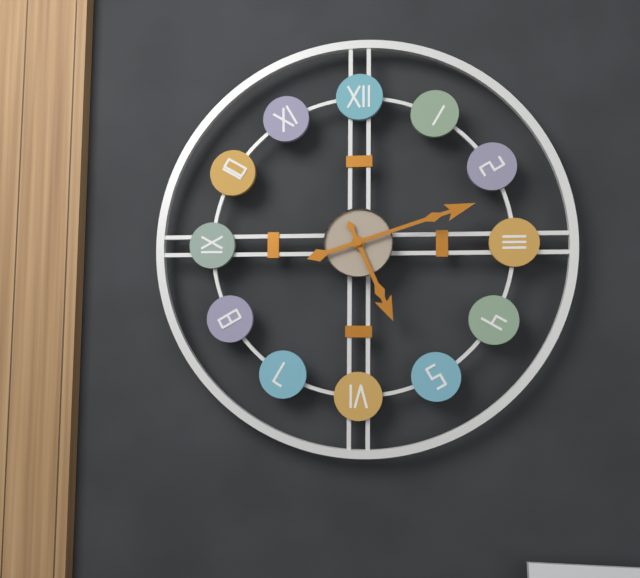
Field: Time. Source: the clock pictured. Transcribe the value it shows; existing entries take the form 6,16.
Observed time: 5,12
